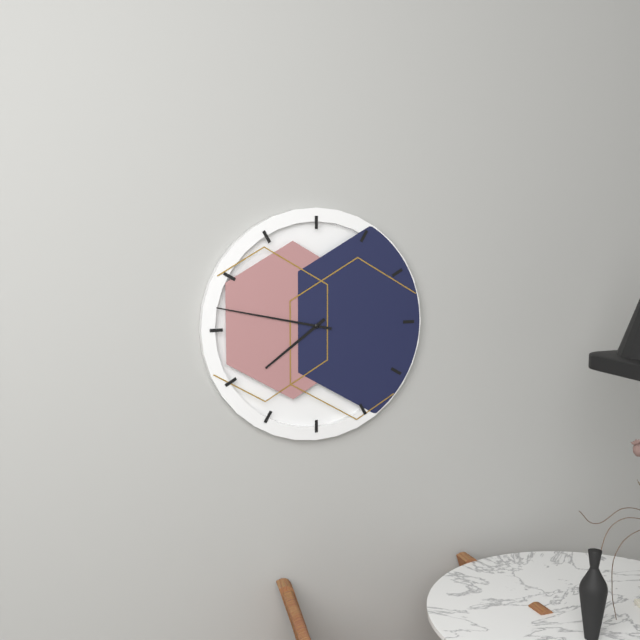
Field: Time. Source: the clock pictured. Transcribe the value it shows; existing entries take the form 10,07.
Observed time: 7,47
